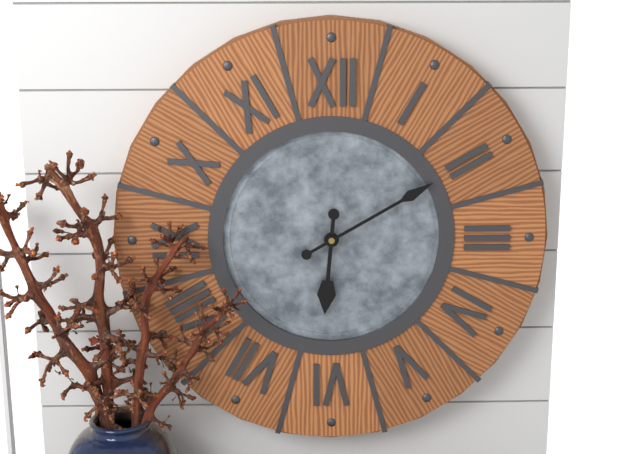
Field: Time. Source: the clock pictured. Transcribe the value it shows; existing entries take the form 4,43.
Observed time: 6,10
